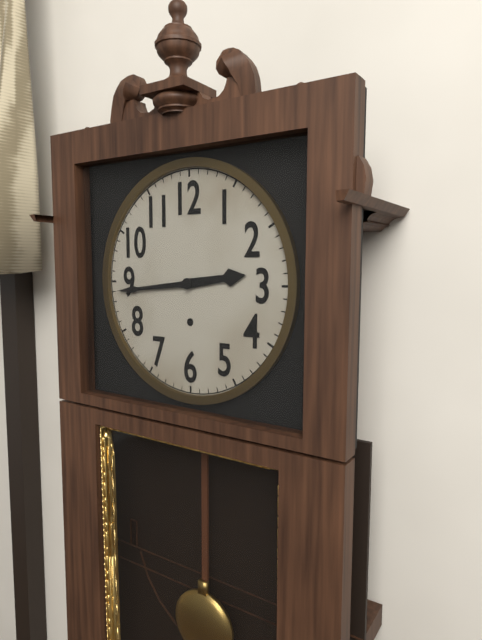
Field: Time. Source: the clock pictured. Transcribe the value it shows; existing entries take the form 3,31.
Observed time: 2,44
